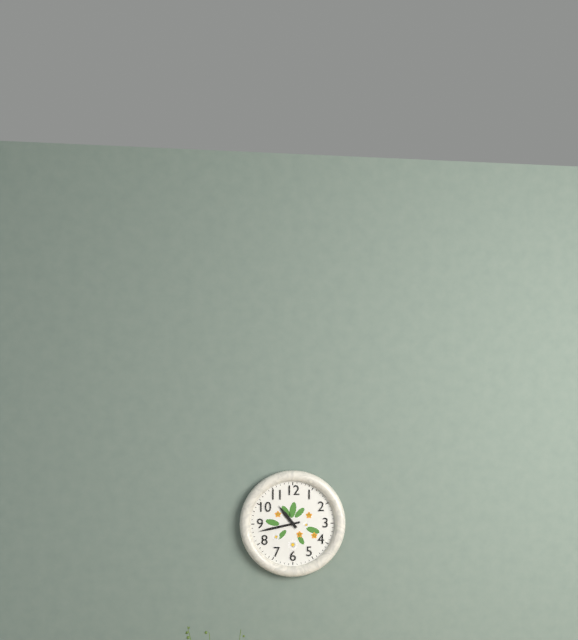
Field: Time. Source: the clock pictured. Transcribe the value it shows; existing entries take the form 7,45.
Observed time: 10,43
